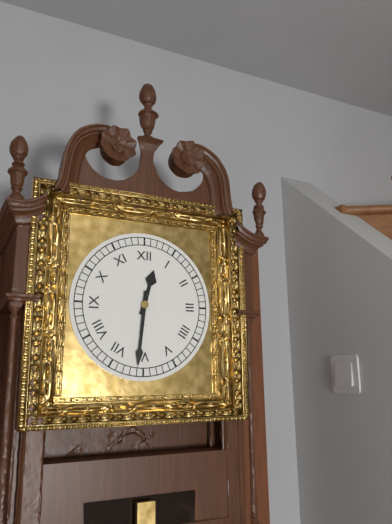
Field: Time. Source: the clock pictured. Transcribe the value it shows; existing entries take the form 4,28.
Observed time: 12,31
